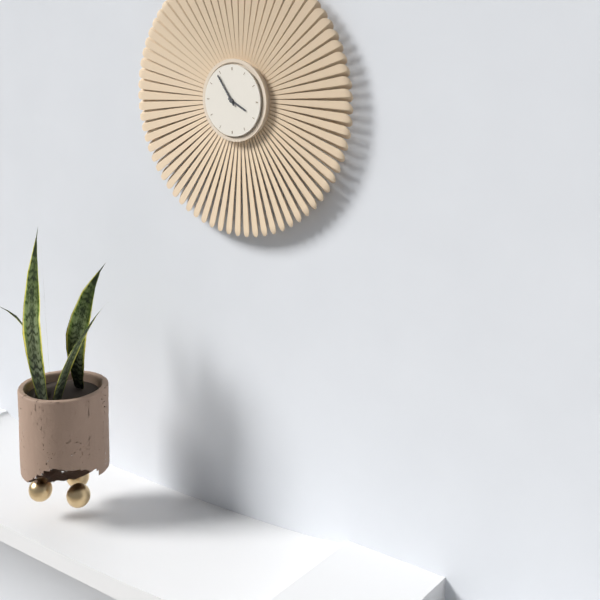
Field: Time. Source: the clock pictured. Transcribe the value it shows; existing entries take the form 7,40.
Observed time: 3,54
